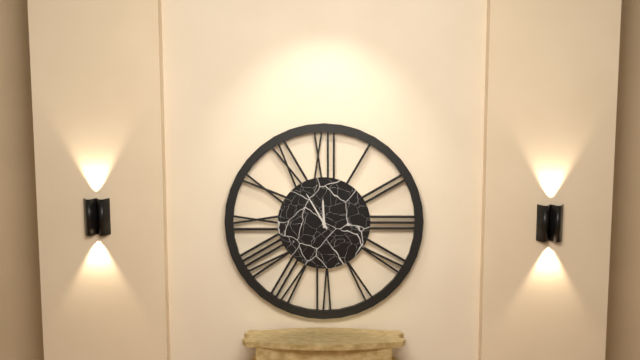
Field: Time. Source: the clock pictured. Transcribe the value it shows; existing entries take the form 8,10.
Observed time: 11,55
